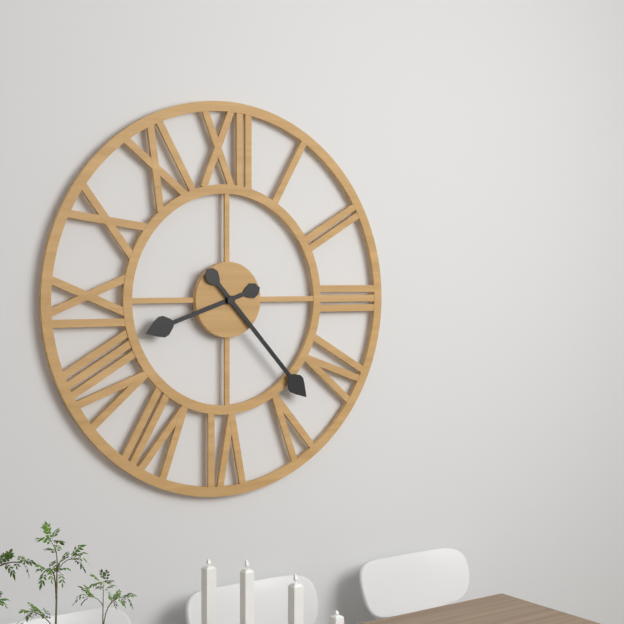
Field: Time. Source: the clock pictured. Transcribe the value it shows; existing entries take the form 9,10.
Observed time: 8,23
